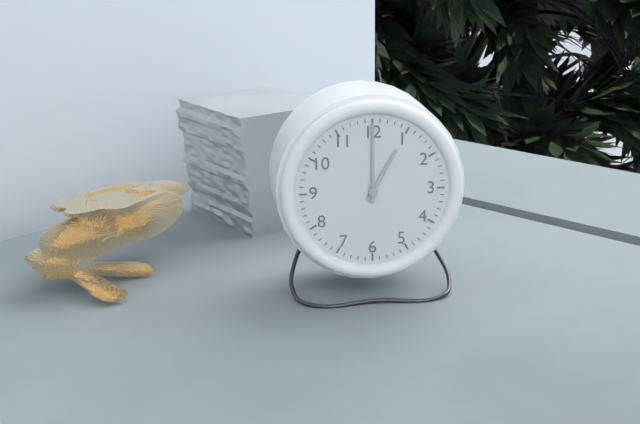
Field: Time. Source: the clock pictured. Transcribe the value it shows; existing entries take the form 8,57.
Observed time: 1,00
